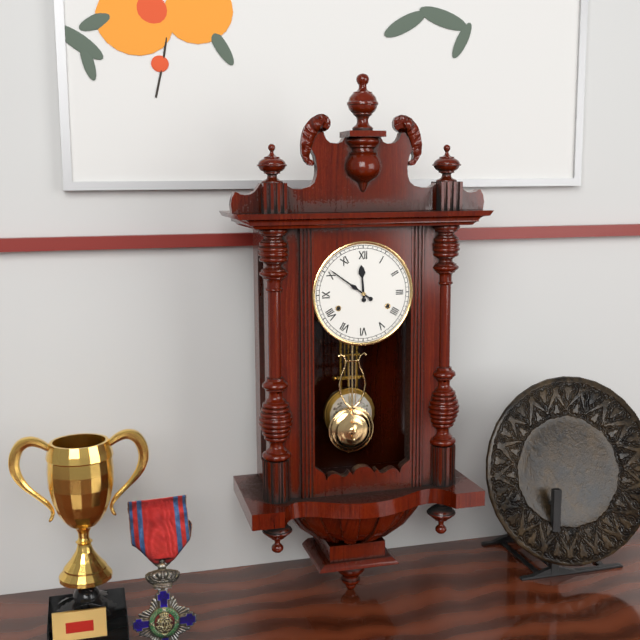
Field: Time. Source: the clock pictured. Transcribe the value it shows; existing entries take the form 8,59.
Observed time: 11,51
